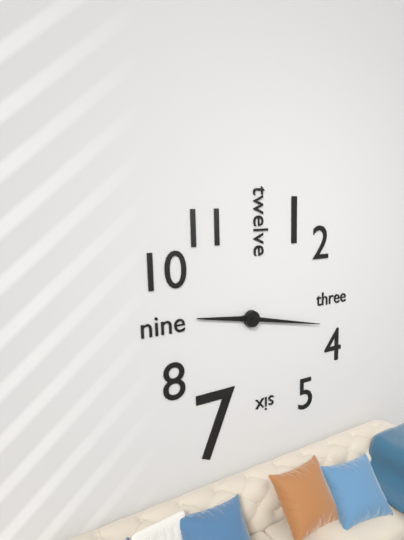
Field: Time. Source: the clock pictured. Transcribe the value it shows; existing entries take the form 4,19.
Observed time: 9,17
